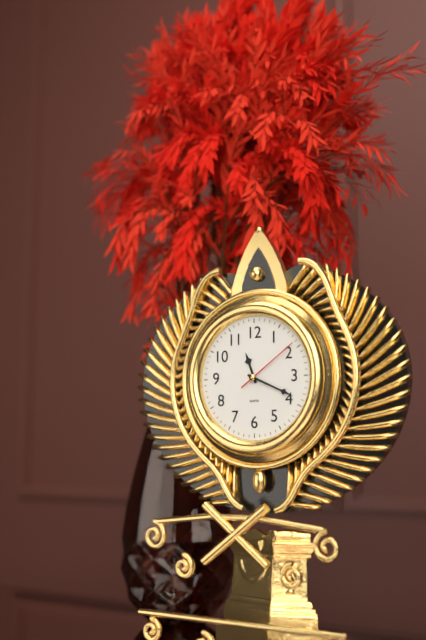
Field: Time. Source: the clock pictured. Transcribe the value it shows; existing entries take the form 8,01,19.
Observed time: 11,19,09
